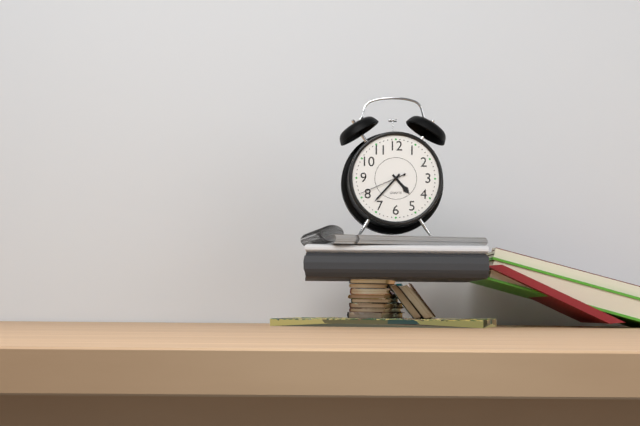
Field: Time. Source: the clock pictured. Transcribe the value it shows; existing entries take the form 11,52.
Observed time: 4,37
